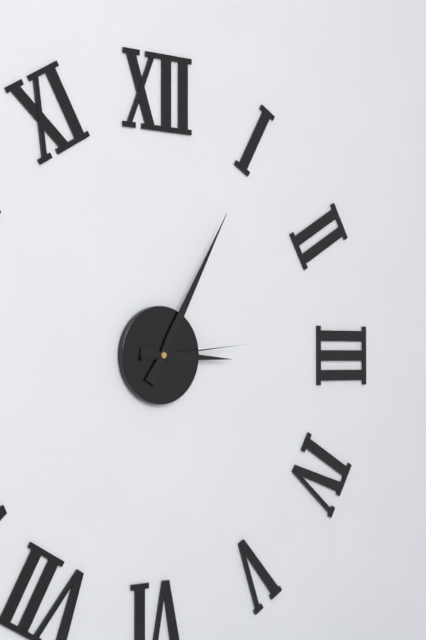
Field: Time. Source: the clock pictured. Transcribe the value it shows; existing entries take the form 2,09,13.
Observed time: 3,05,14
